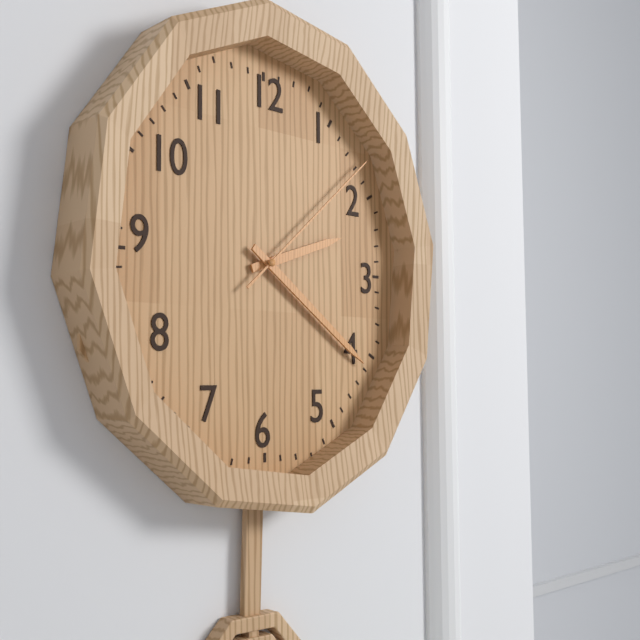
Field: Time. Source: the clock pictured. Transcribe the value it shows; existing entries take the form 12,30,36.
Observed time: 2,21,08
